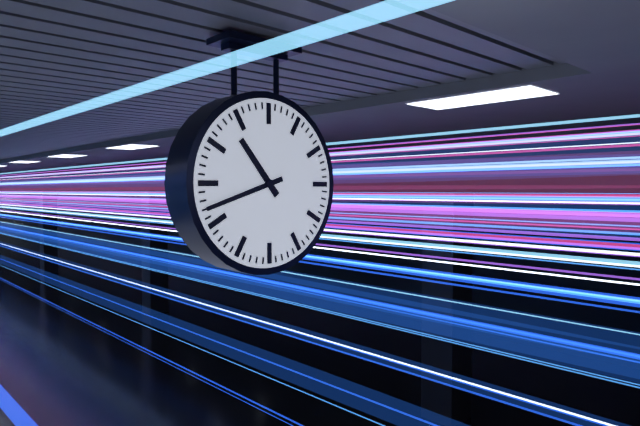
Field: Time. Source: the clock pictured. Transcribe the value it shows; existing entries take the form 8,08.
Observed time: 10,42
